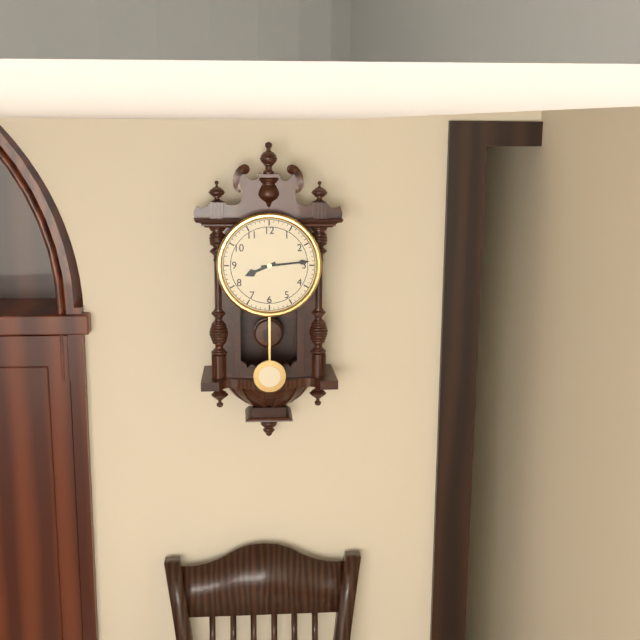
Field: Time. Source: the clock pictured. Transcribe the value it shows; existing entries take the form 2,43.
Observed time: 8,14
